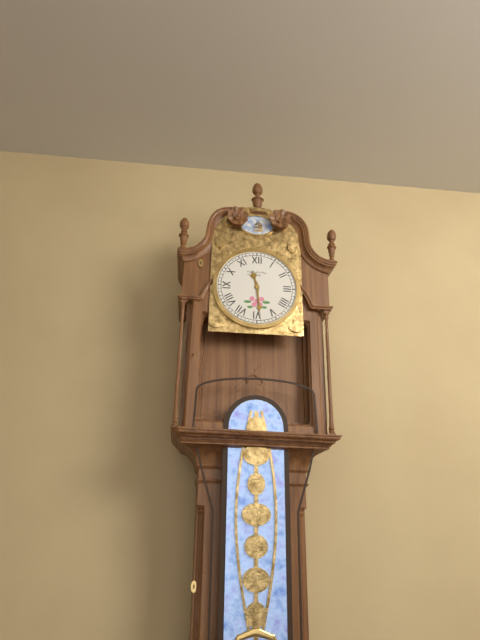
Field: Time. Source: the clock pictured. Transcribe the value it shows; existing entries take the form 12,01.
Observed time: 11,29
